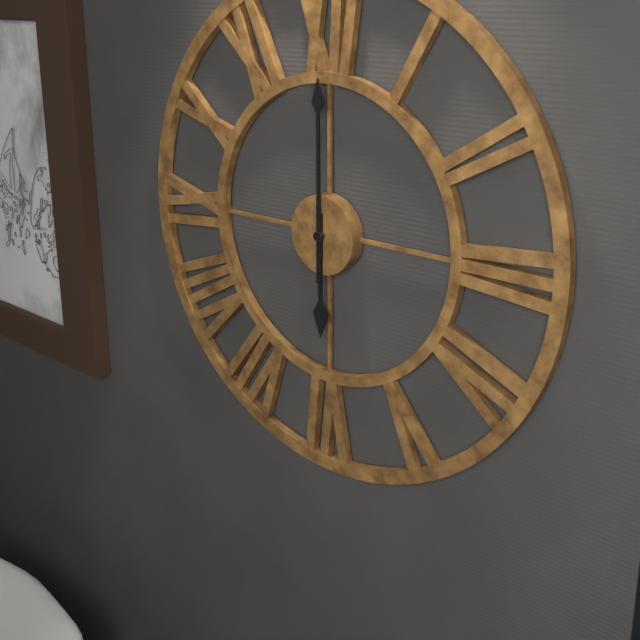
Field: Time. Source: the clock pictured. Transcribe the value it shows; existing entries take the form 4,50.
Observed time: 6,00
